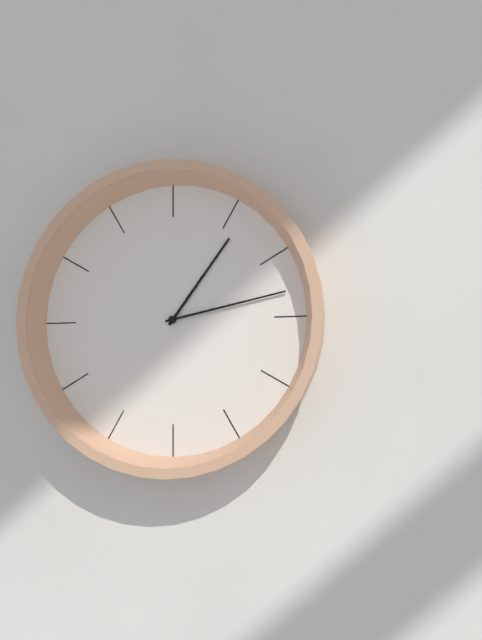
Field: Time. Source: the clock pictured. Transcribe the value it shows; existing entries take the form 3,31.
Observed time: 1,13
